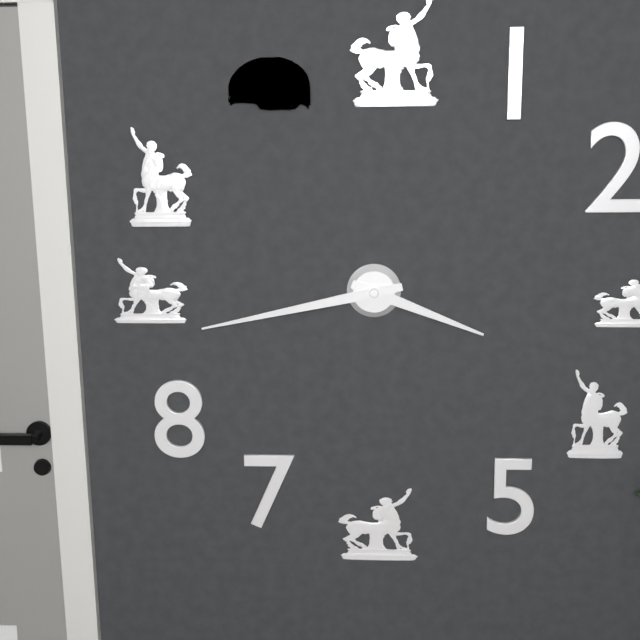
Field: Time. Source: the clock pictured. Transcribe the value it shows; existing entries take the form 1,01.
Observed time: 3,43
